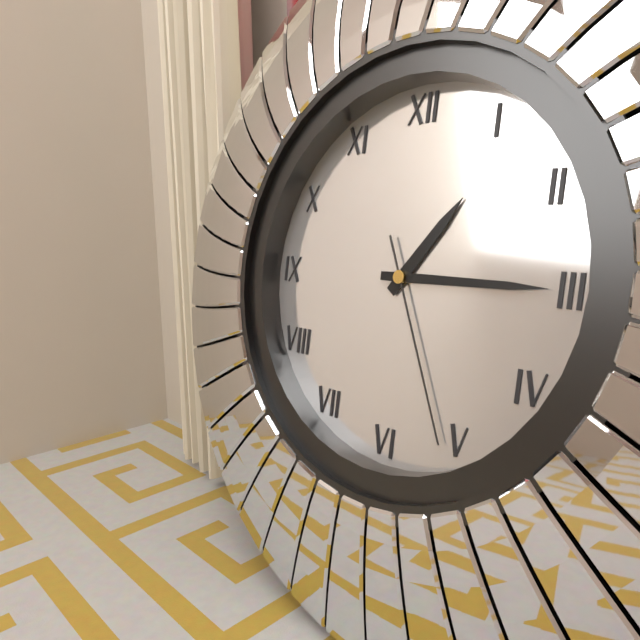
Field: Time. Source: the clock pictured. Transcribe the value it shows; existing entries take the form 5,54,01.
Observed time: 1,15,26
